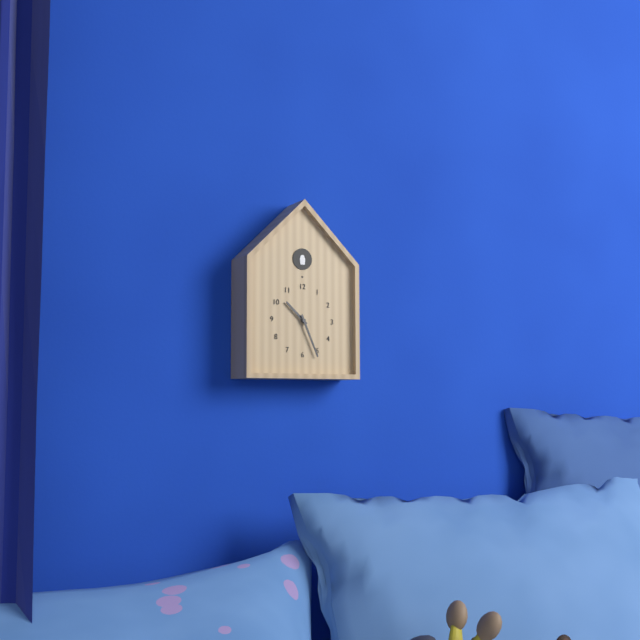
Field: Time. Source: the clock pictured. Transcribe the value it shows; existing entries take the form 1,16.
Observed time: 10,26
